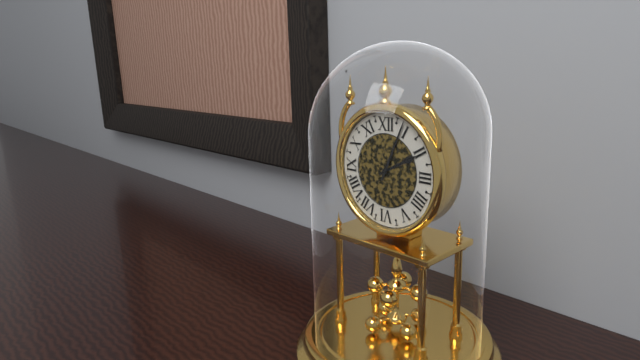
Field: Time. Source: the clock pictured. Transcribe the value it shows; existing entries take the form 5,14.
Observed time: 2,04
